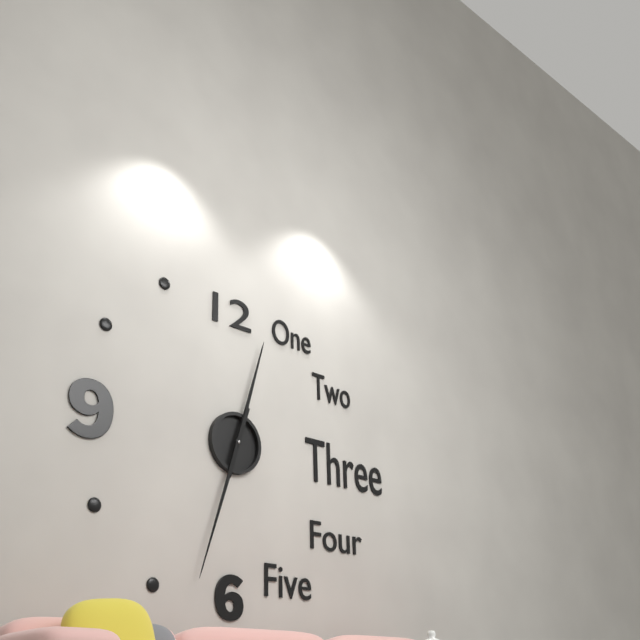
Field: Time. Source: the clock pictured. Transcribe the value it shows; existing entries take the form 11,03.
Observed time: 12,33
